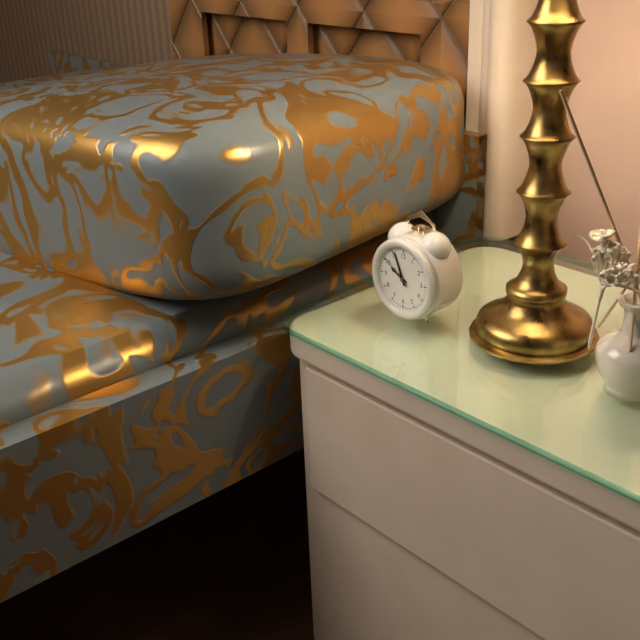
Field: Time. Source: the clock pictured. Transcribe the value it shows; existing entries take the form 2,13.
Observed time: 9,56
